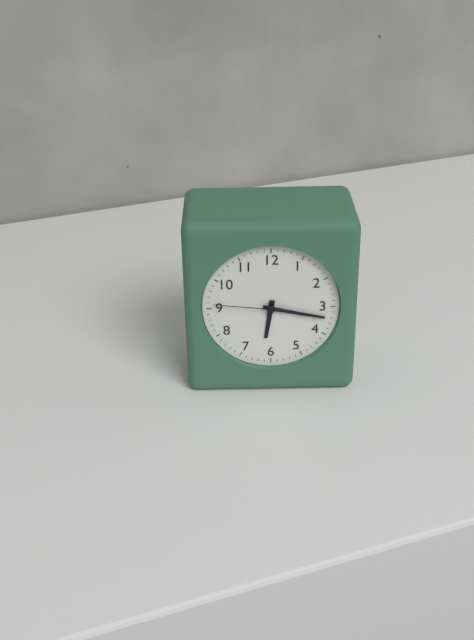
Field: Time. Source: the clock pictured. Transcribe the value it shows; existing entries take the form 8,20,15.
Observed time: 6,17,46
